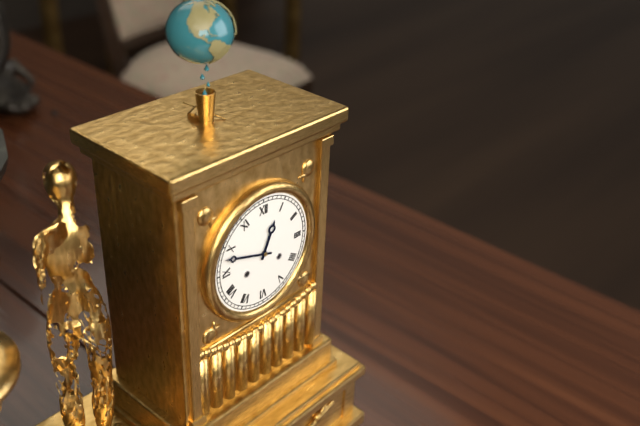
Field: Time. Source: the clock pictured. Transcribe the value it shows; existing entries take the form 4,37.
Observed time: 12,48
